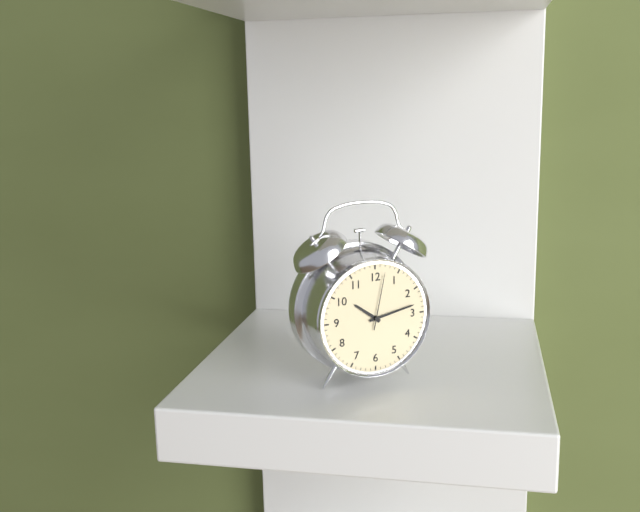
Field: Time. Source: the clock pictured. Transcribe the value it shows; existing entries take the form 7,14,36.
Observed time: 10,13,02
